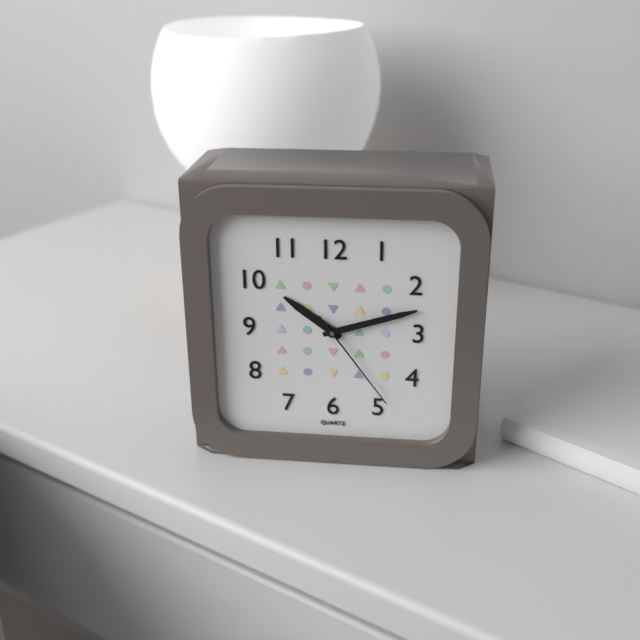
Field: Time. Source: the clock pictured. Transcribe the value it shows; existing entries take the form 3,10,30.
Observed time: 10,12,24
